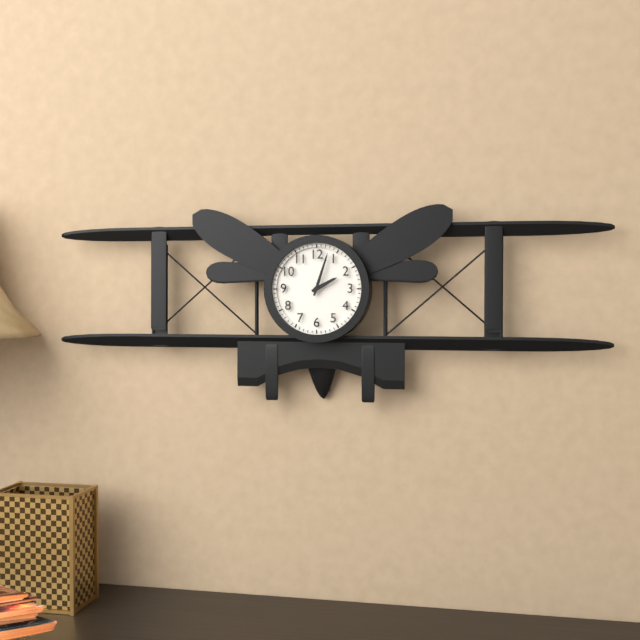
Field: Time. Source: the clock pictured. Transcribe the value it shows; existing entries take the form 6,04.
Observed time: 2,03
